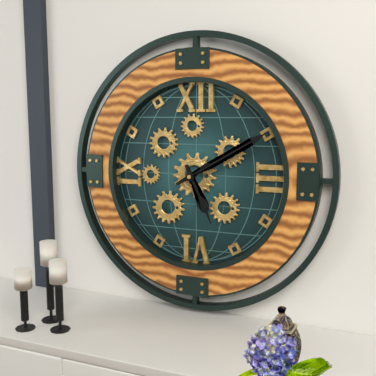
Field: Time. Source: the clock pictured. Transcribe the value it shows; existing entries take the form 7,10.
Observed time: 5,10
